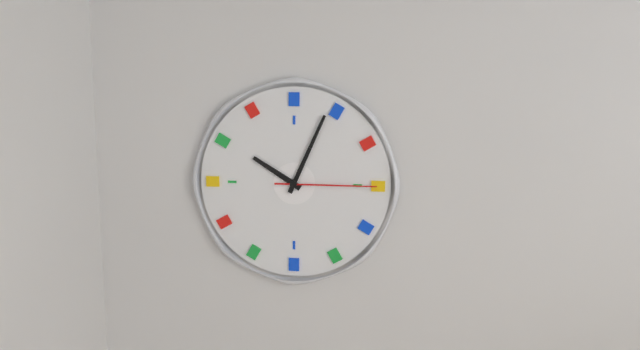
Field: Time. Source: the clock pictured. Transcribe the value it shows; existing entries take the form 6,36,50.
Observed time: 10,04,15
